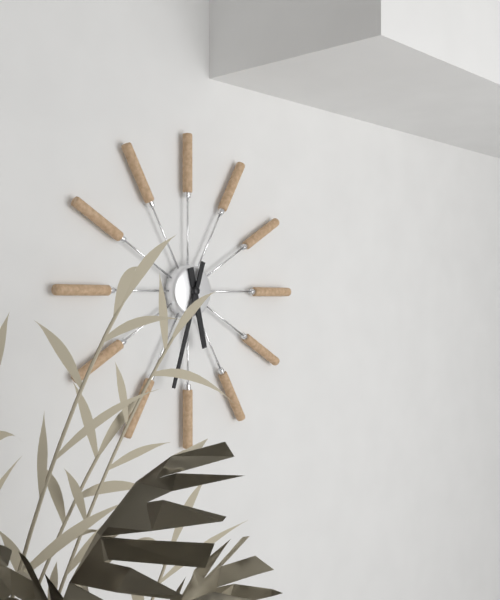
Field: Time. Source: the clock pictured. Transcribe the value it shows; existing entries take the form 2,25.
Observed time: 5,33
